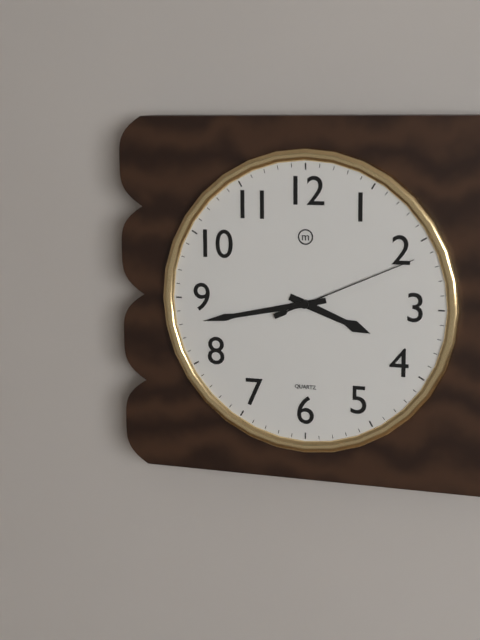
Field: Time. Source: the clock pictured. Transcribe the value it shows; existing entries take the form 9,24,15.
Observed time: 3,43,11
